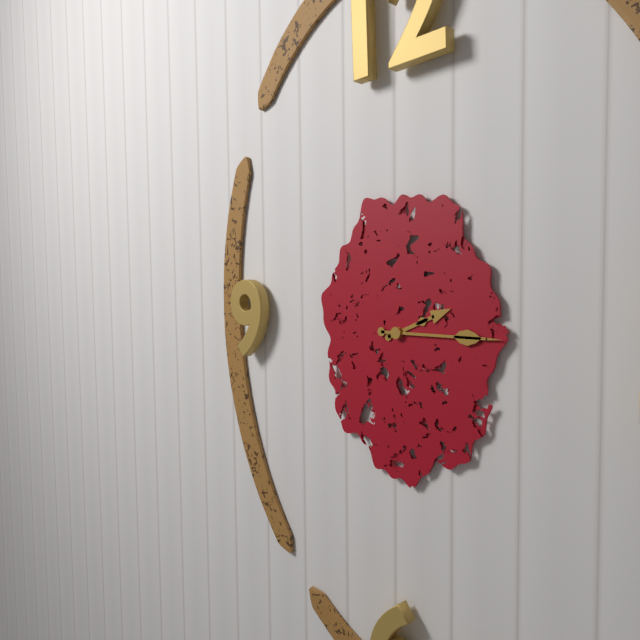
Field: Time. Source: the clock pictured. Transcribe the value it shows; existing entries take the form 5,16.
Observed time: 2,15
